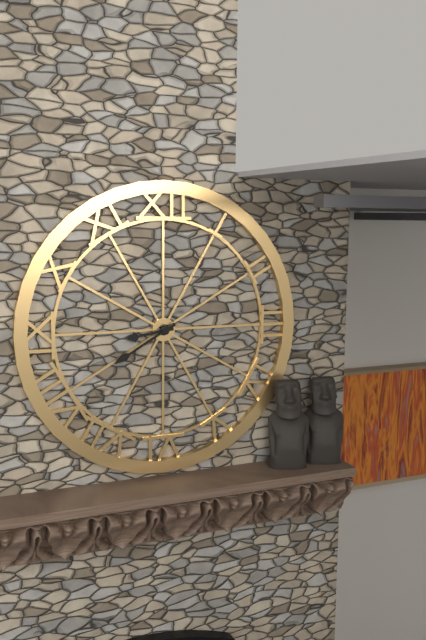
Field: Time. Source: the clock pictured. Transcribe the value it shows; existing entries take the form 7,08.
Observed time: 8,40
